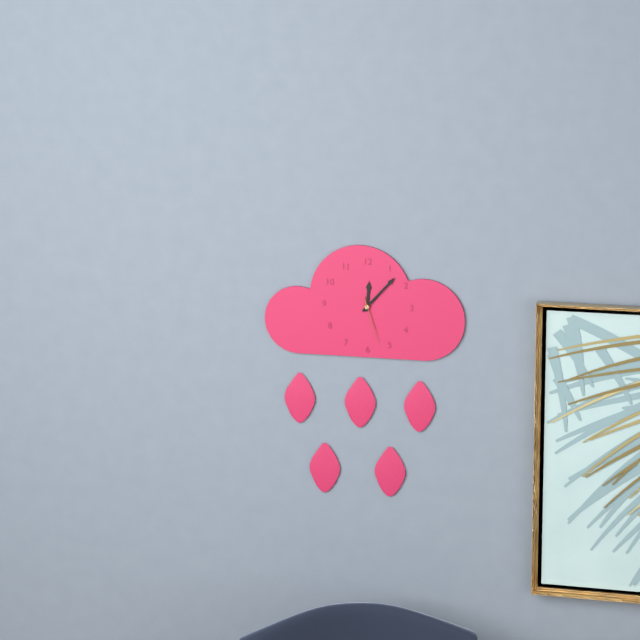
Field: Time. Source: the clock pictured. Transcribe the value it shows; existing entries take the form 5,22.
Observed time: 12,07
